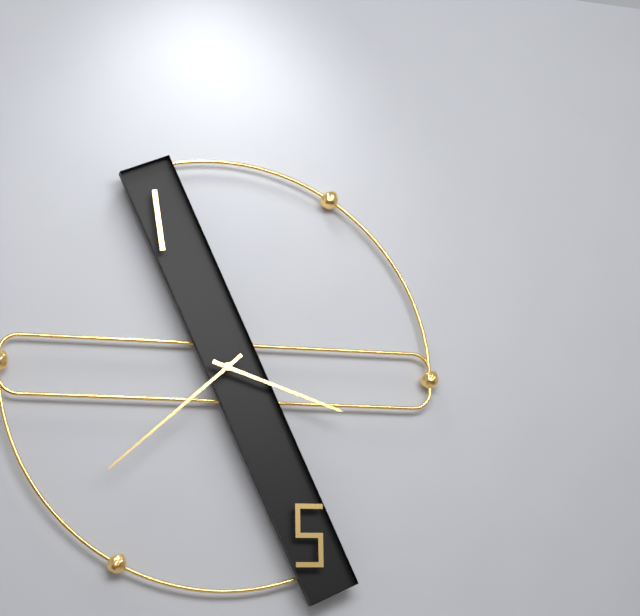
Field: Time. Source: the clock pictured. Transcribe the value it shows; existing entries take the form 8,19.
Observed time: 3,38
